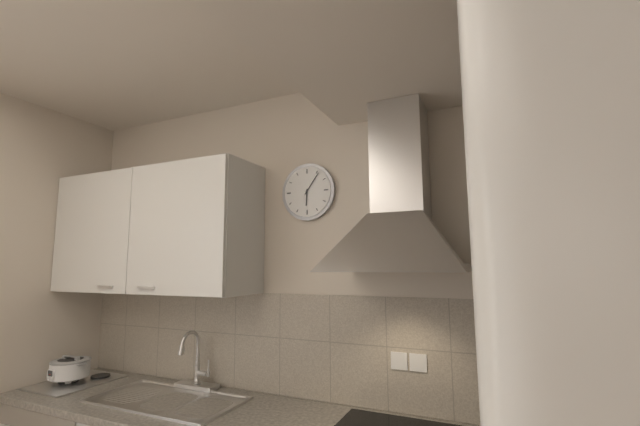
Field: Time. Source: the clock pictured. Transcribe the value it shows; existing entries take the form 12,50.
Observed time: 6,06
